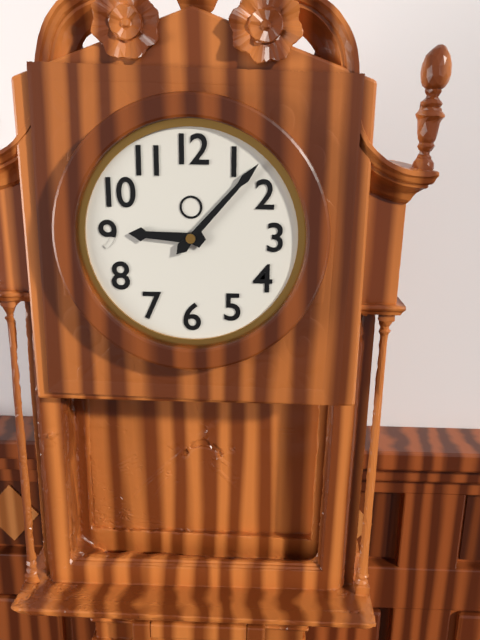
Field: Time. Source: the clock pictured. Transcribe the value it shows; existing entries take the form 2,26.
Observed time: 9,07
